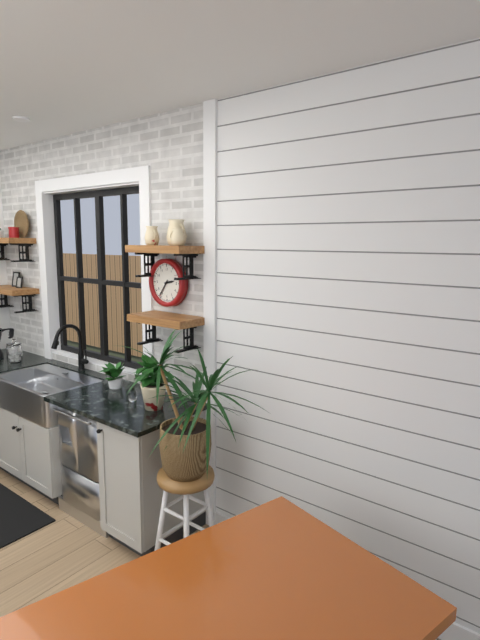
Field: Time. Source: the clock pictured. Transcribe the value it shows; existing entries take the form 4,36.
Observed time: 2,36
